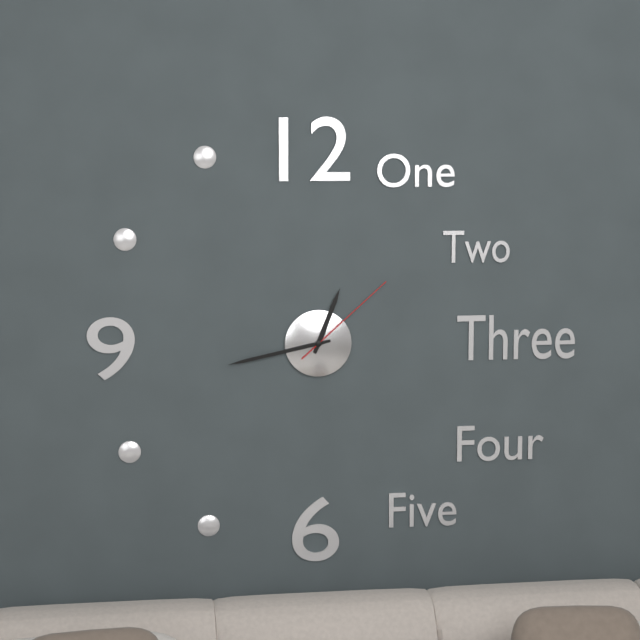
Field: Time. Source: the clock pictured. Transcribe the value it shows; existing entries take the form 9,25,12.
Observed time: 12,43,08
